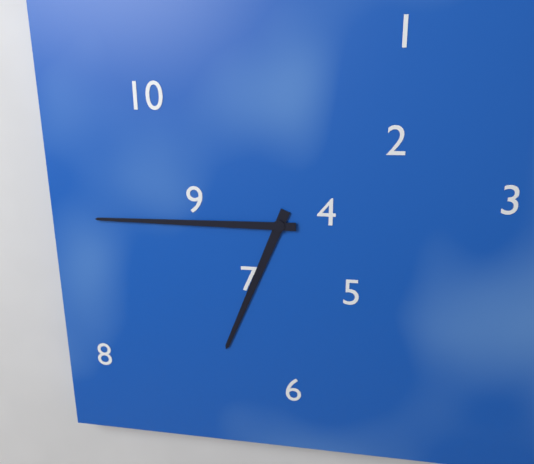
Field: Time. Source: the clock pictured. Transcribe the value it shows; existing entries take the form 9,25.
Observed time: 6,45
